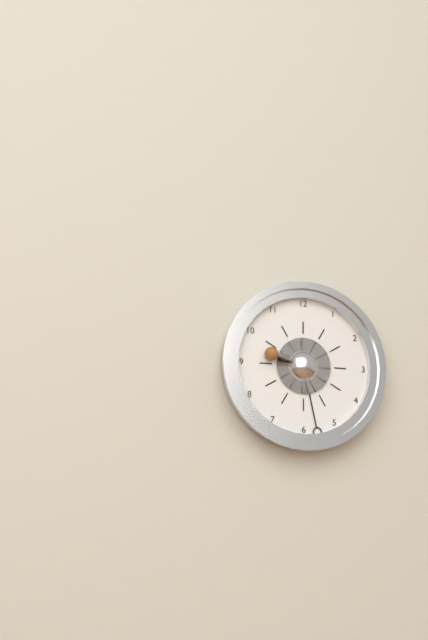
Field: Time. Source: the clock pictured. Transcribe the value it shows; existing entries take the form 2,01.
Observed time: 9,28
